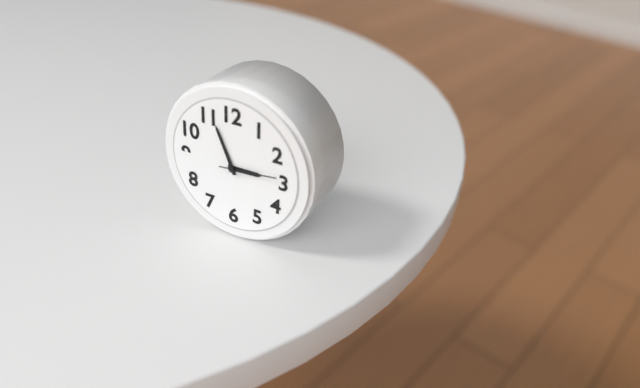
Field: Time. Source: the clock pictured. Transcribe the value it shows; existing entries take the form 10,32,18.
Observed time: 2,56,14
